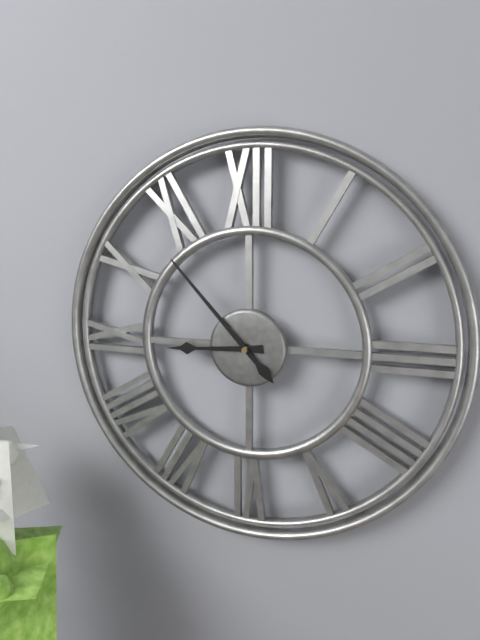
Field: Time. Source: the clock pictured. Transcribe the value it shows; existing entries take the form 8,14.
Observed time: 8,53
